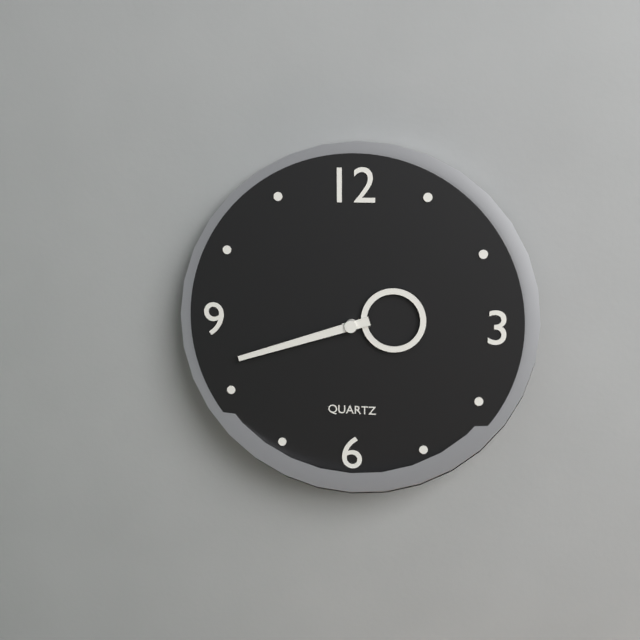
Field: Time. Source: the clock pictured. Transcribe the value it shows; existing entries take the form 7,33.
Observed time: 2,42
